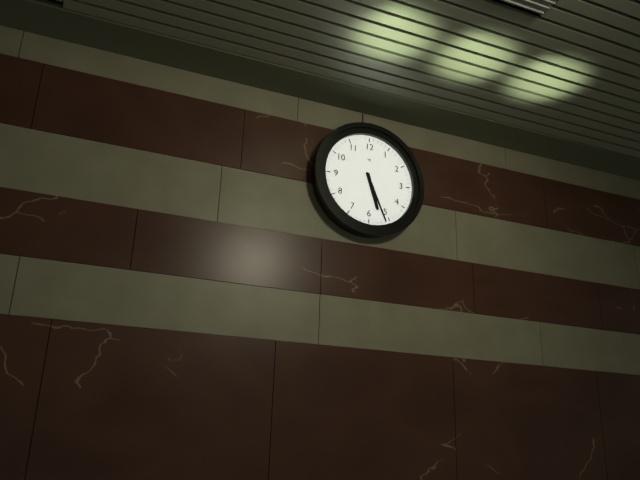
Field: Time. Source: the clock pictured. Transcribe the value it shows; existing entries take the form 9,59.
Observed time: 5,26
